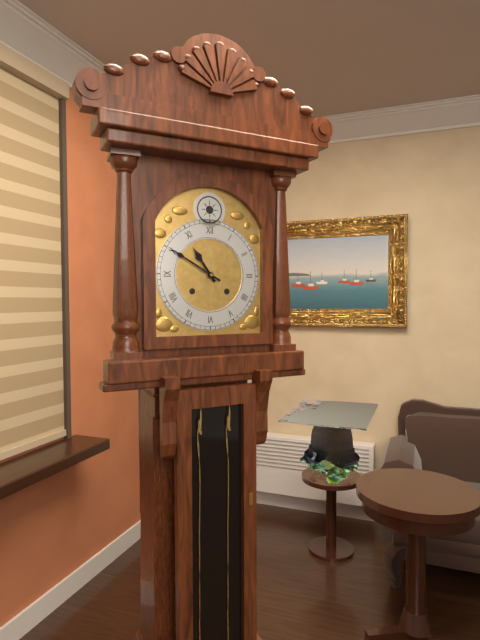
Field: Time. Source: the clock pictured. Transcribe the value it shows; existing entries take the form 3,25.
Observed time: 10,50
